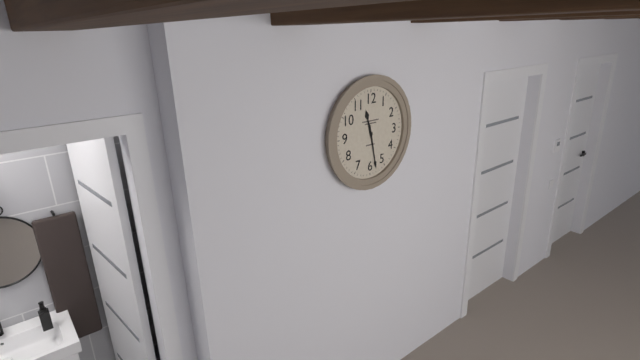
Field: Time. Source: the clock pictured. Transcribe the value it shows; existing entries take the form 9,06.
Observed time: 11,28
